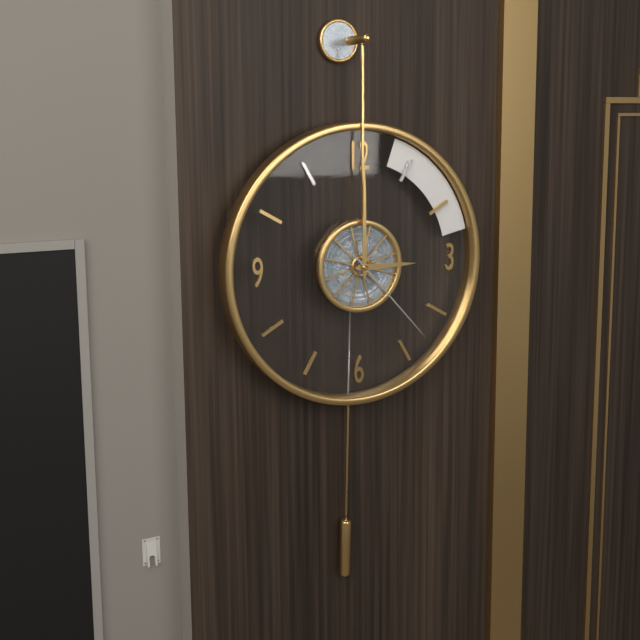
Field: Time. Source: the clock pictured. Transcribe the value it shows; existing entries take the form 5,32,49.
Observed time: 3,00,23
